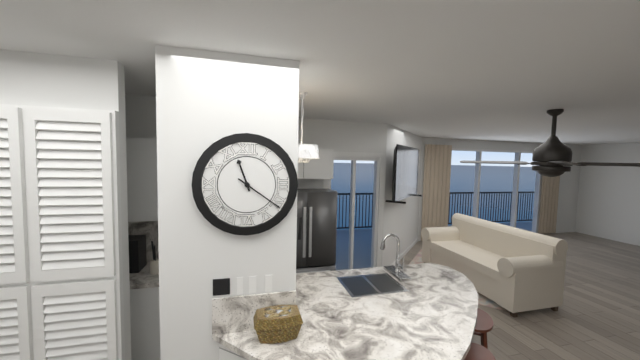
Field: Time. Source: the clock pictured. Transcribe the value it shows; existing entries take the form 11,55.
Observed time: 11,21
